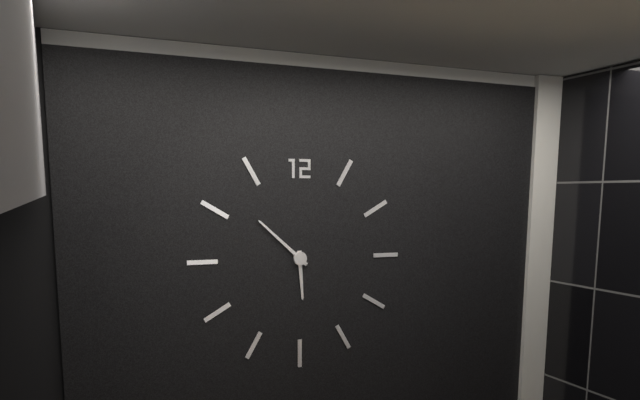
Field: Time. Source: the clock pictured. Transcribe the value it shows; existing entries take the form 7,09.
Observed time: 5,52
